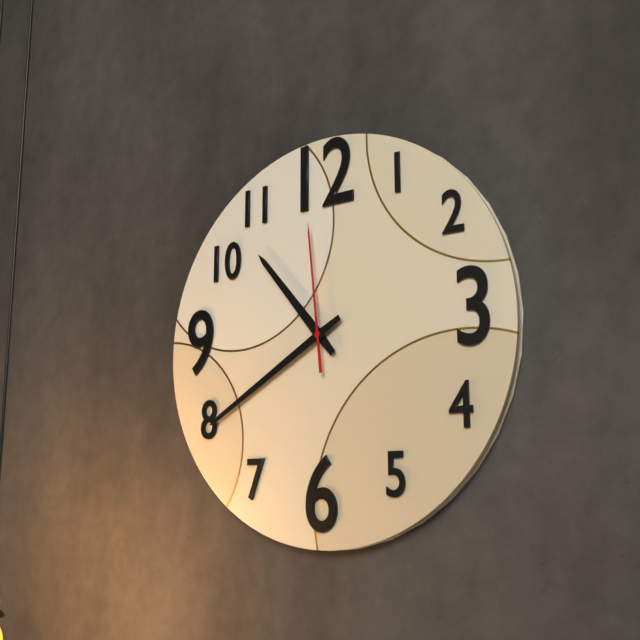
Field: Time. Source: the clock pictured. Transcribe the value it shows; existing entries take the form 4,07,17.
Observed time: 10,40,59
